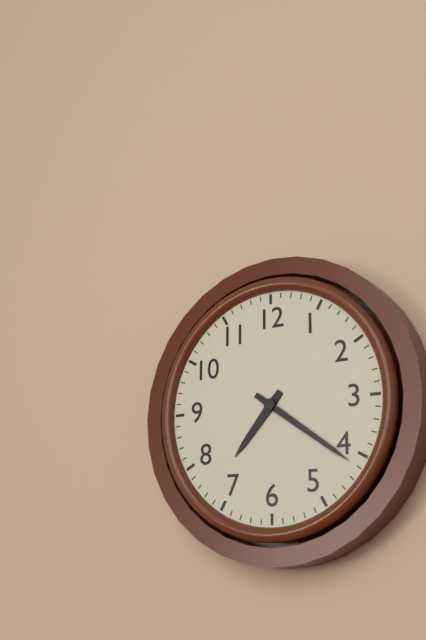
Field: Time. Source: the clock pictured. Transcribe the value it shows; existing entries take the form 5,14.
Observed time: 7,21
